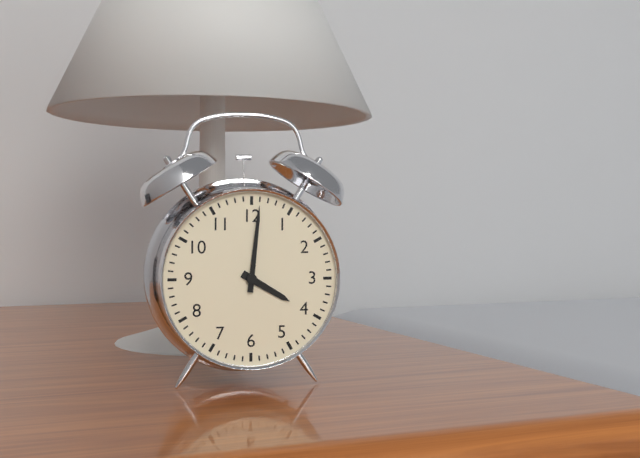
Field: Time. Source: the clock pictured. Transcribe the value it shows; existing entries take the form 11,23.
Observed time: 4,01
